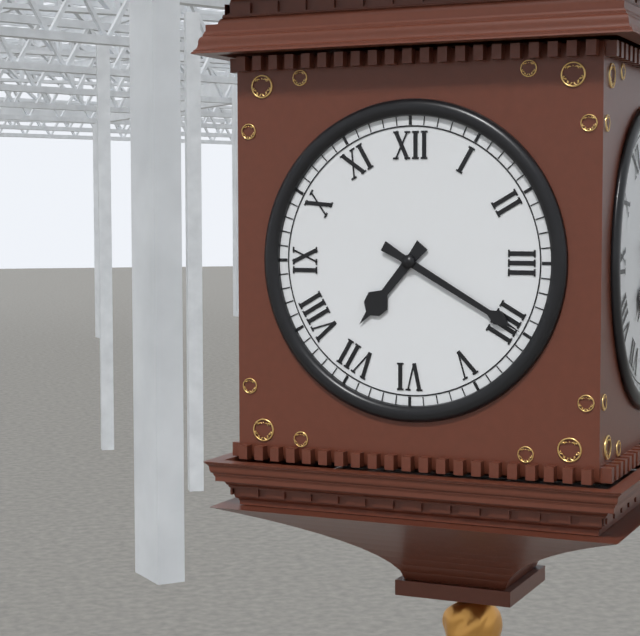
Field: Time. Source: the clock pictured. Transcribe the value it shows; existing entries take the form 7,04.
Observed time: 7,20
